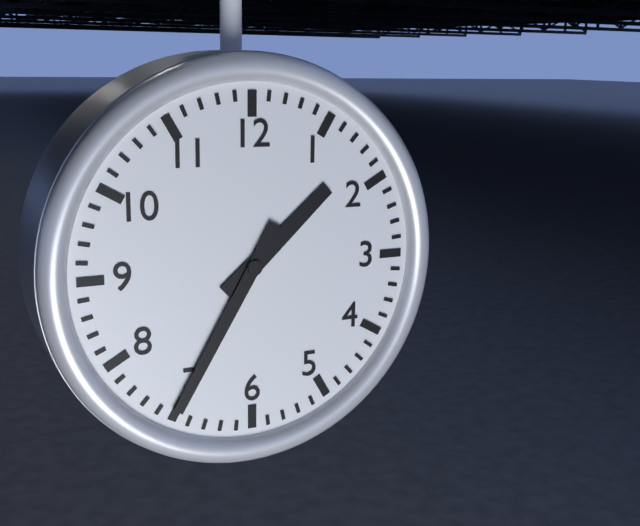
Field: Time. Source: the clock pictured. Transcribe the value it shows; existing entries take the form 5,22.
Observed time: 1,35
